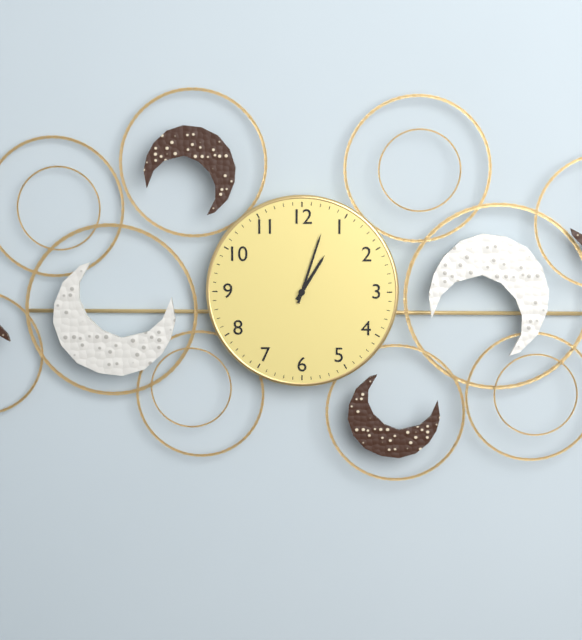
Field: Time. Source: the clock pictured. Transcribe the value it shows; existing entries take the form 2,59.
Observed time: 1,03
